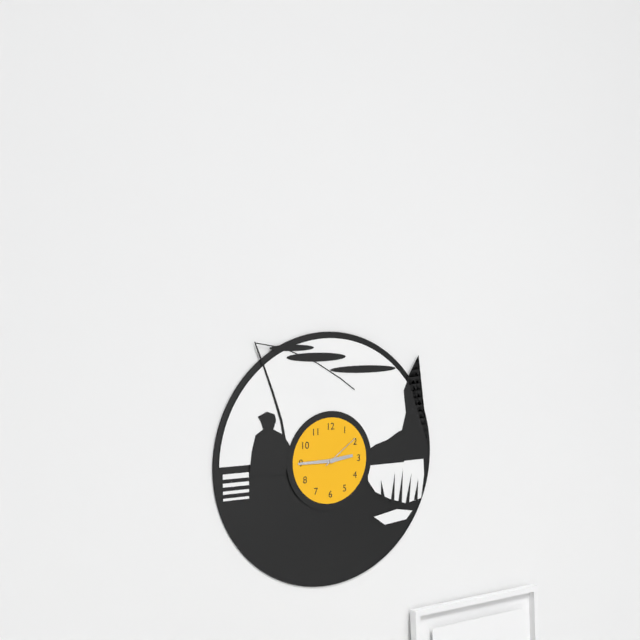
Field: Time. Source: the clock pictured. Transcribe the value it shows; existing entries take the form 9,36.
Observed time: 2,45
